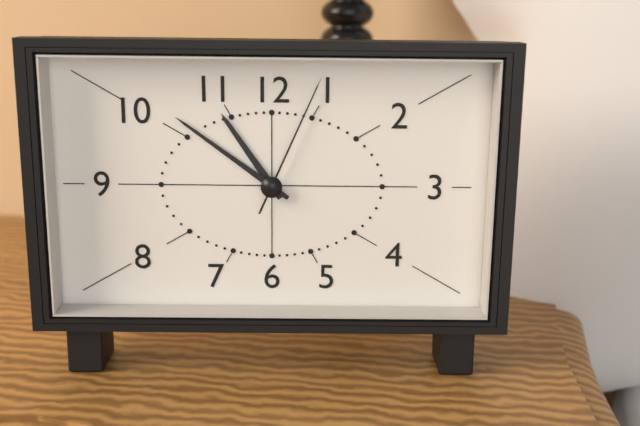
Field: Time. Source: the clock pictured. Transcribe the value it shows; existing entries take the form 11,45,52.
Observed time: 10,51,04
